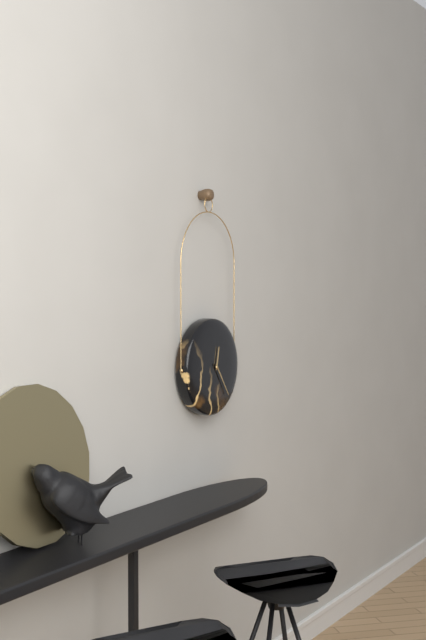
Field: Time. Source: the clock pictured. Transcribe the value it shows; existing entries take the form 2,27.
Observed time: 12,24
